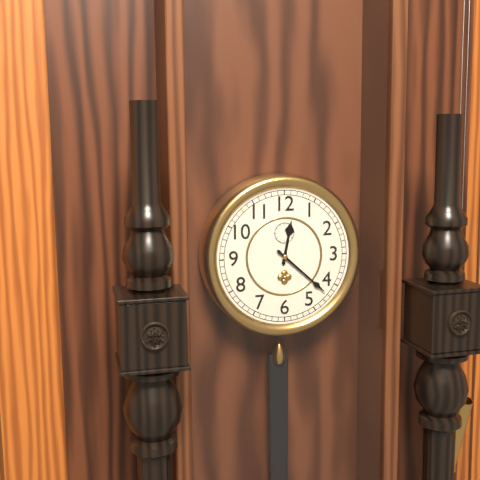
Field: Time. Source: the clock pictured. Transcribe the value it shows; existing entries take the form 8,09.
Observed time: 12,22
